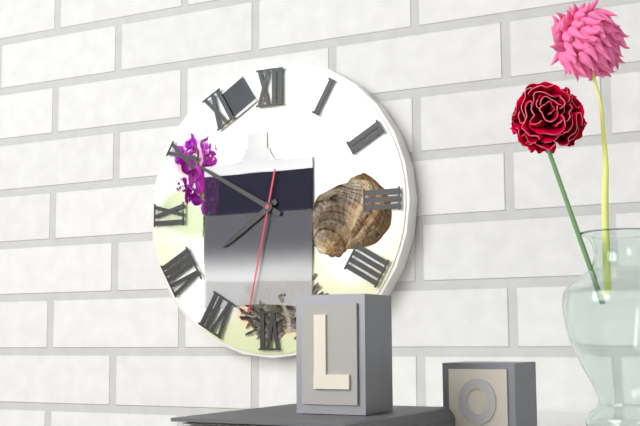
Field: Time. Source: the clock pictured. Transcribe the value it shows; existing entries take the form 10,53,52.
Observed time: 7,50,32
